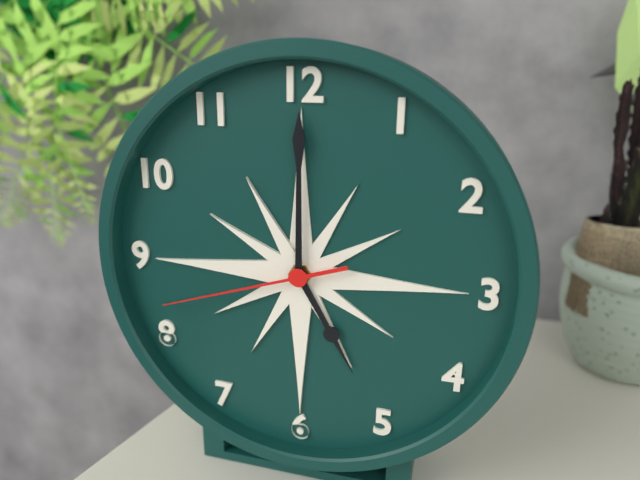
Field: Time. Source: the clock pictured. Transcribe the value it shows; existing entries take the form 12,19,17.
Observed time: 5,00,42
